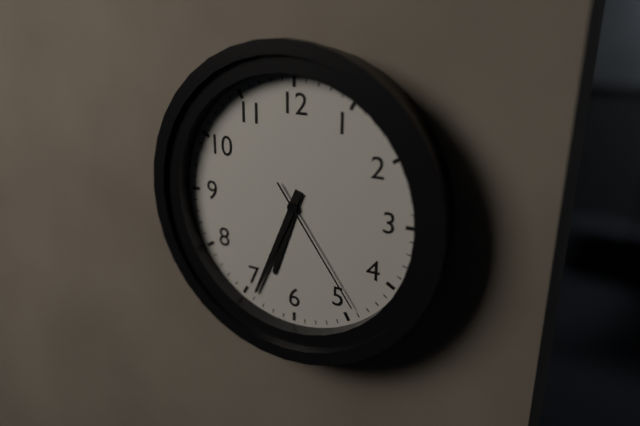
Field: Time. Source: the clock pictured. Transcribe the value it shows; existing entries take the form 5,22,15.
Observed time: 6,34,24
